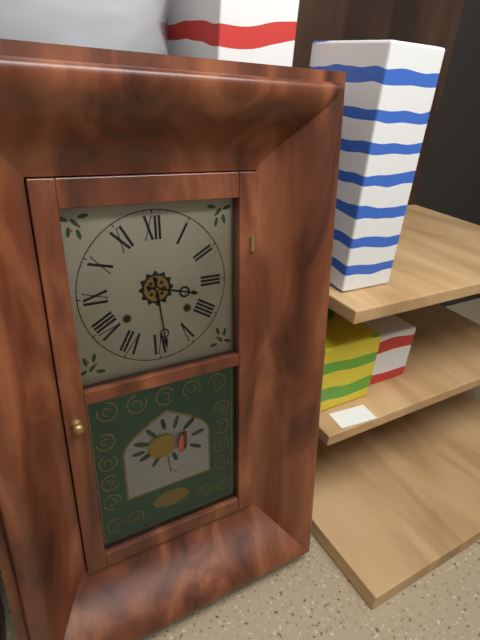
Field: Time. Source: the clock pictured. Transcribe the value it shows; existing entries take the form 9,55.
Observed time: 3,29
